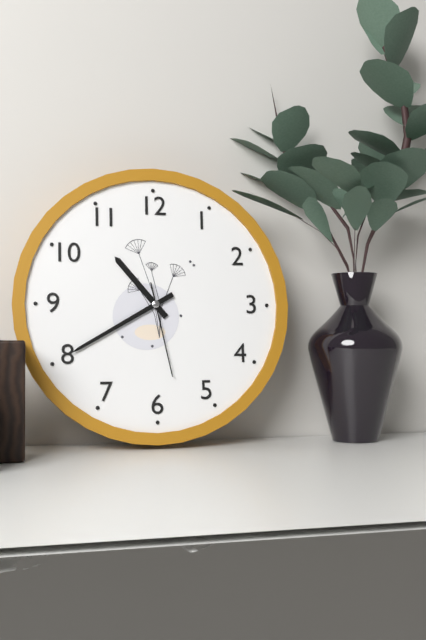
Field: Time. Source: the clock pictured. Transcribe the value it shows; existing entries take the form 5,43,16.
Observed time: 10,40,28
